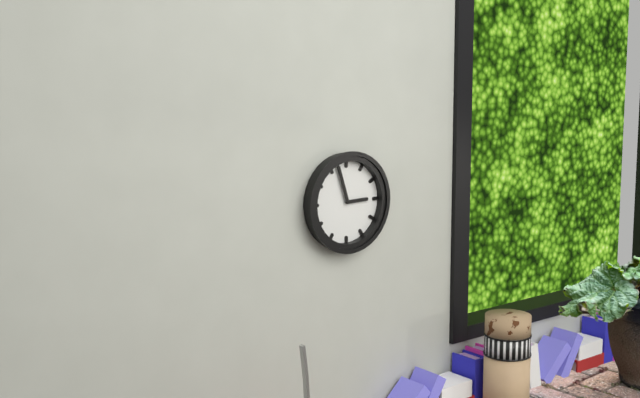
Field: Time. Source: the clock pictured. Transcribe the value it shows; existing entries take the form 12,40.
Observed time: 2,57
